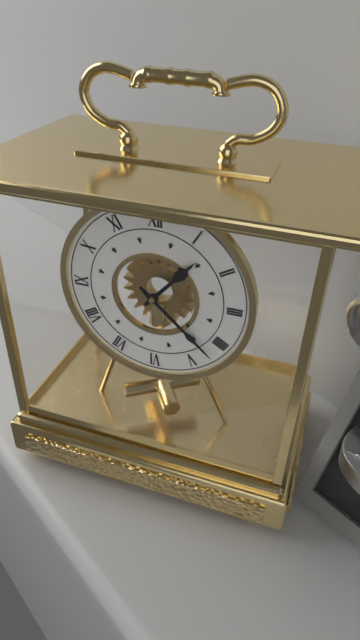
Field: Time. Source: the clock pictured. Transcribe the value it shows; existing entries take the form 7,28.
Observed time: 1,22
